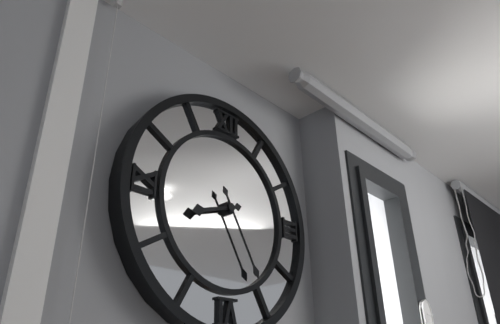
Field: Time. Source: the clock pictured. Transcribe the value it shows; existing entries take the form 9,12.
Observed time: 8,25
